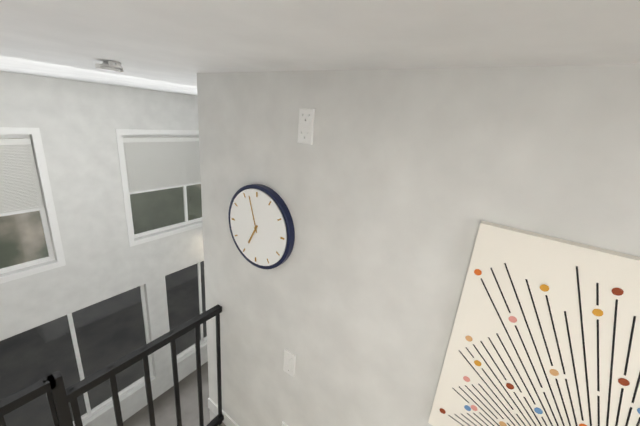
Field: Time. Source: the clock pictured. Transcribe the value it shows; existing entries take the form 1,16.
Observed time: 6,57
